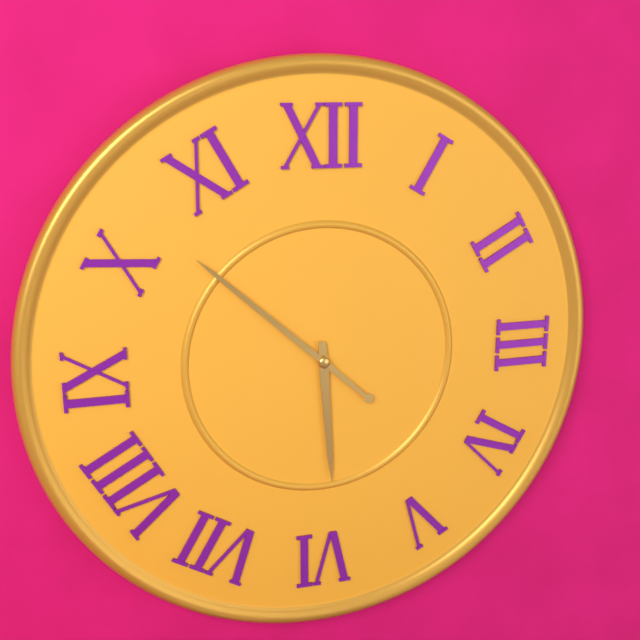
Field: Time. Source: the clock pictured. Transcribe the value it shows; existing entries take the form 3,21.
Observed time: 5,52
